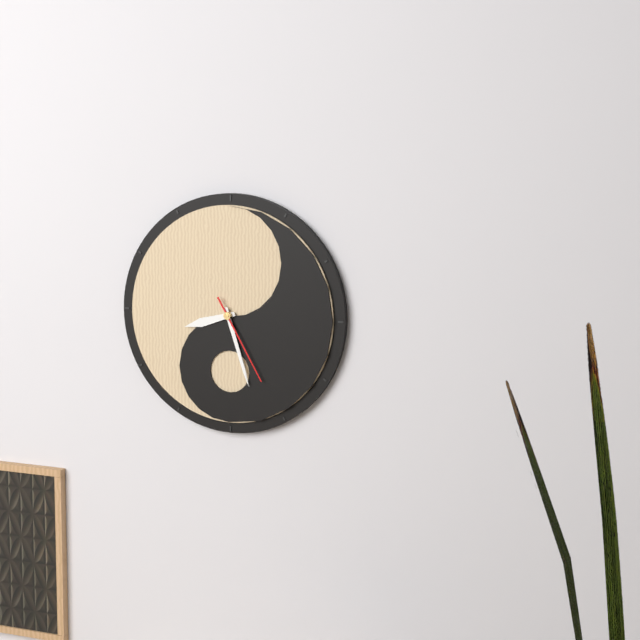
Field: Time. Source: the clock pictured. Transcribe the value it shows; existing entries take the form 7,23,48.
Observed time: 8,27,25
